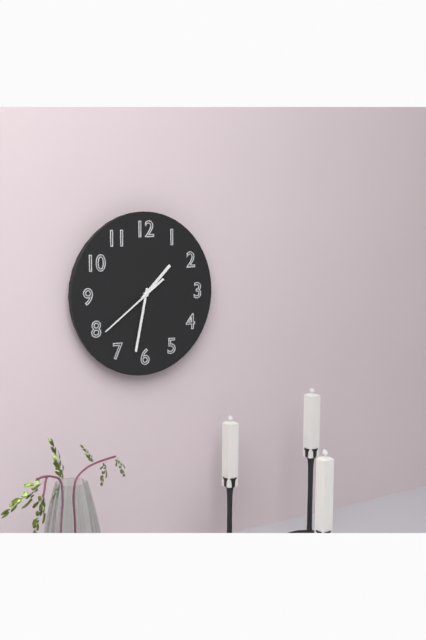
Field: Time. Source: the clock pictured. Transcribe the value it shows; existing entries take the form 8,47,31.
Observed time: 1,32,39
